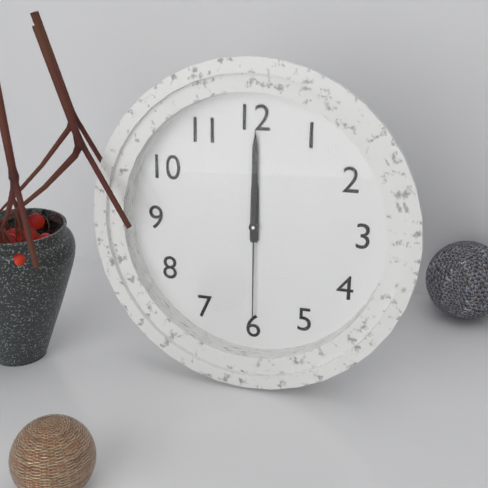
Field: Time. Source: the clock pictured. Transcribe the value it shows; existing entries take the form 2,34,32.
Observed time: 12,00,30
